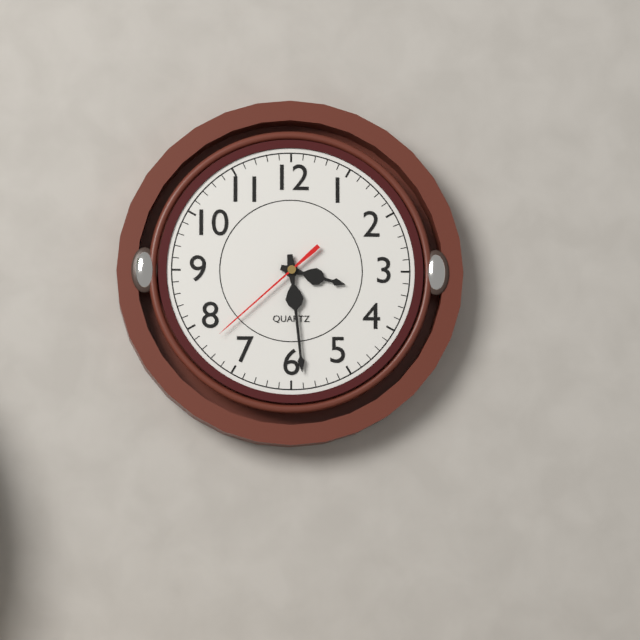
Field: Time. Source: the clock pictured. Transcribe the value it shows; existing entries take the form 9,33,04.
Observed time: 3,29,38
